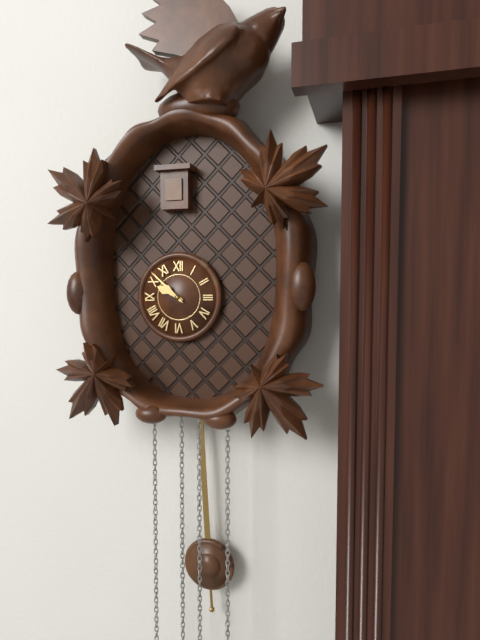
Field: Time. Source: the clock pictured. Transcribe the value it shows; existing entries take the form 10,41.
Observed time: 9,52
